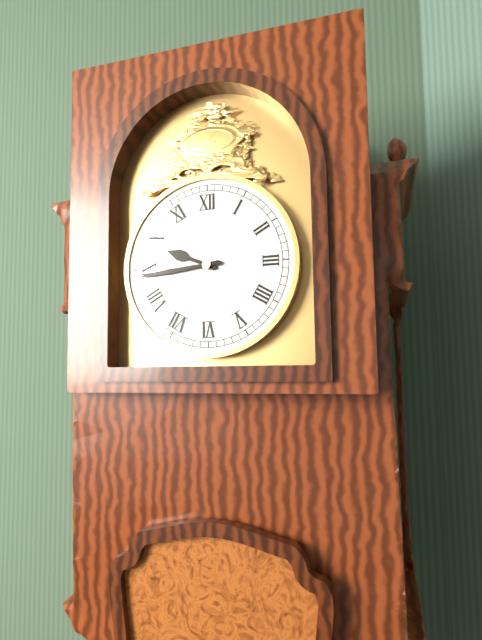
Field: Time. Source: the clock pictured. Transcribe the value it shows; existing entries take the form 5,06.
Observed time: 9,44
